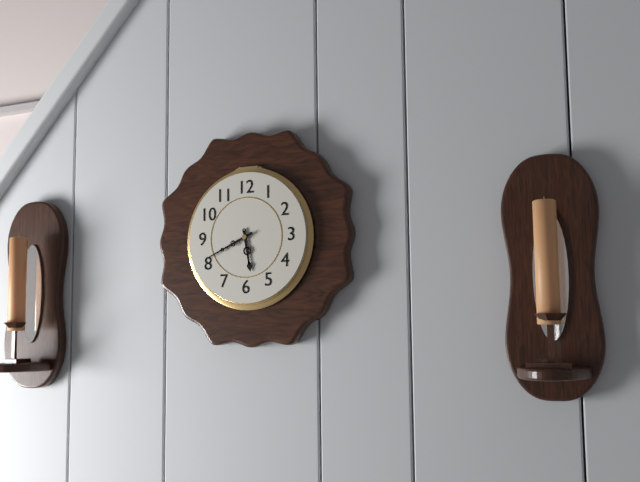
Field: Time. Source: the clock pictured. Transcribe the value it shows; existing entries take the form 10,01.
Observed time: 5,41
